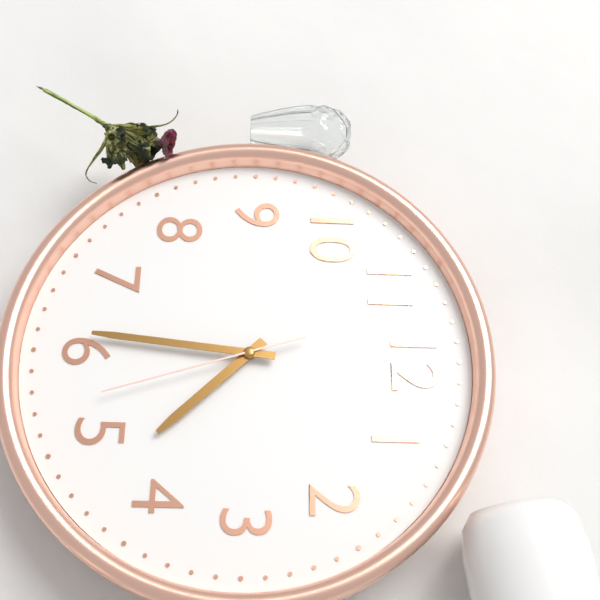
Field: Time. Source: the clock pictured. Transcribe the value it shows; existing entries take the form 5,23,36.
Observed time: 4,31,27
